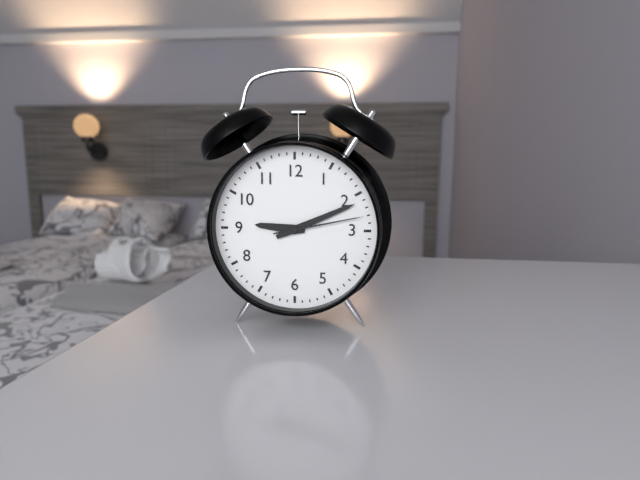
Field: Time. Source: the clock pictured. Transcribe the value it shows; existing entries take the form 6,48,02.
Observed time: 9,11,13
